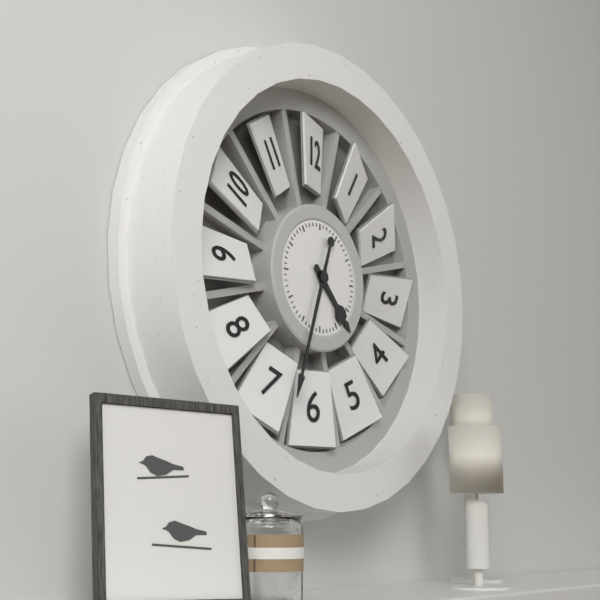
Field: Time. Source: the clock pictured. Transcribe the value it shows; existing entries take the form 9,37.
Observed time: 4,33
